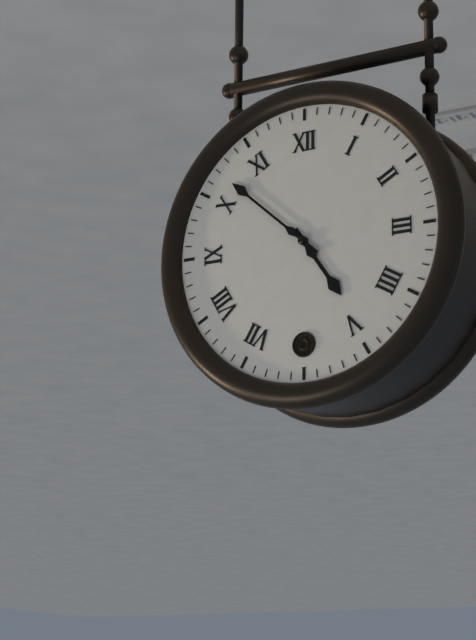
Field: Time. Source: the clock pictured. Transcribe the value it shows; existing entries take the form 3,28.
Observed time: 4,52
